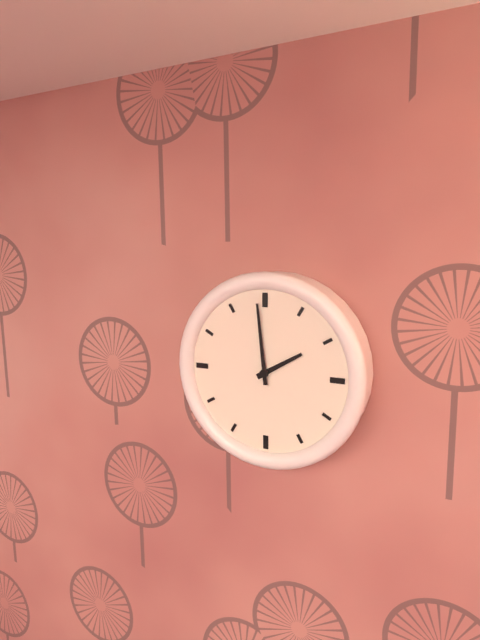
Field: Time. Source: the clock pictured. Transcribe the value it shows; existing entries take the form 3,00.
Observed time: 1,59
